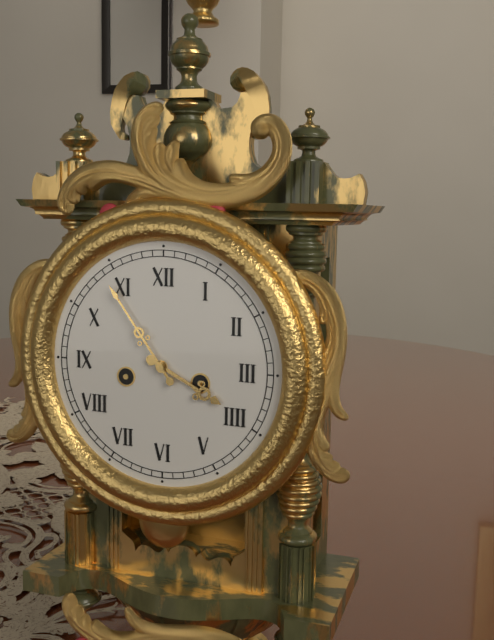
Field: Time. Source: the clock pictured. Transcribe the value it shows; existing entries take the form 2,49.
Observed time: 3,54
